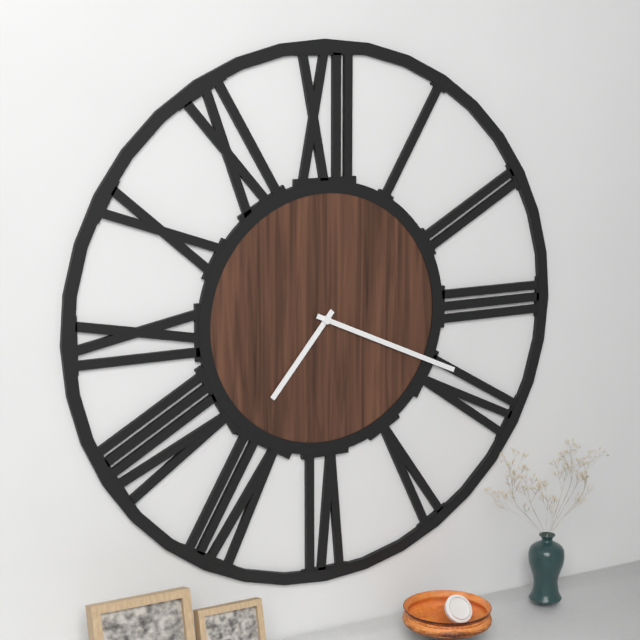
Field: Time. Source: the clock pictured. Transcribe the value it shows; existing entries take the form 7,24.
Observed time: 7,19
